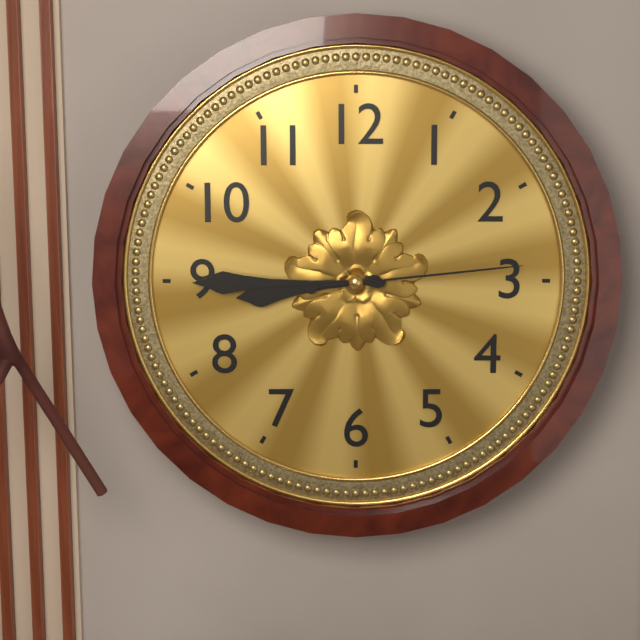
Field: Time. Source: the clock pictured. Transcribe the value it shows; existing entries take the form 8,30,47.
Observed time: 8,45,14
